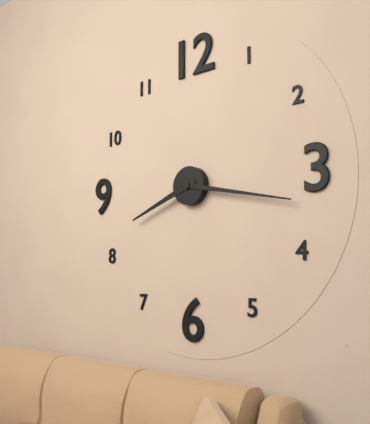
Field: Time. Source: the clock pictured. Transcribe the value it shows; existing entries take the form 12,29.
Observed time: 8,17
